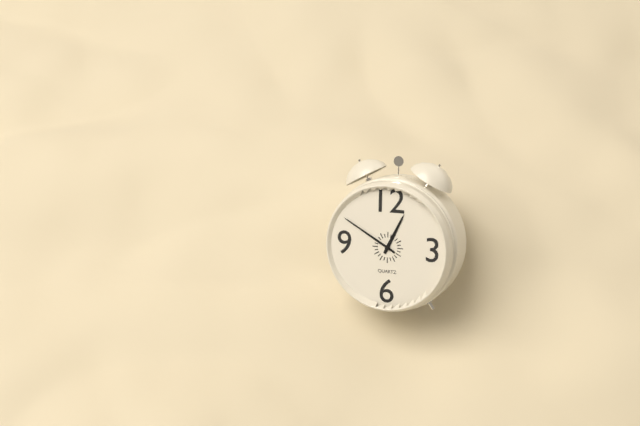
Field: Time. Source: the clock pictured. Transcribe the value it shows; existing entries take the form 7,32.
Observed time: 12,50
